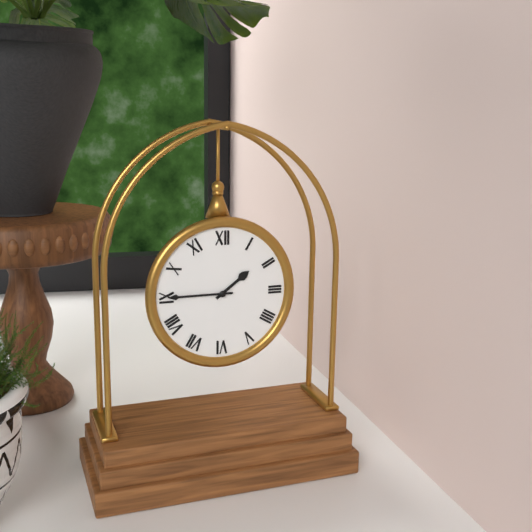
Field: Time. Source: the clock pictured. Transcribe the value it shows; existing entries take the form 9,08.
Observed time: 1,45
